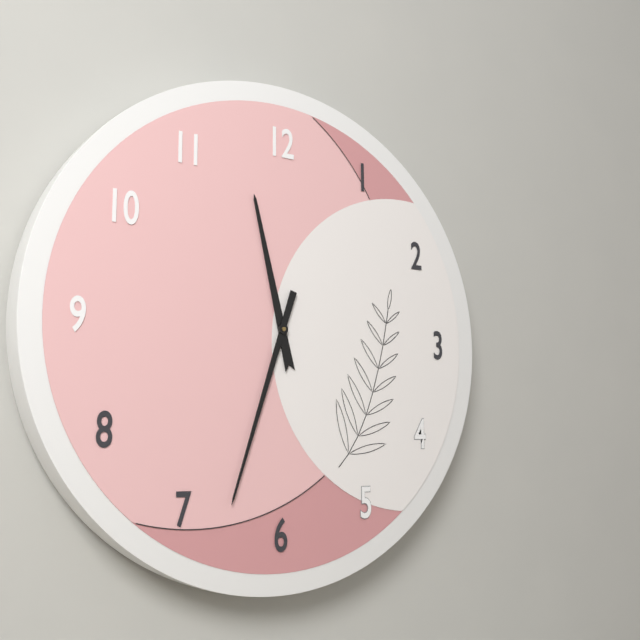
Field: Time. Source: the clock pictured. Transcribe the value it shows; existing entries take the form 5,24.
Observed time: 11,33
